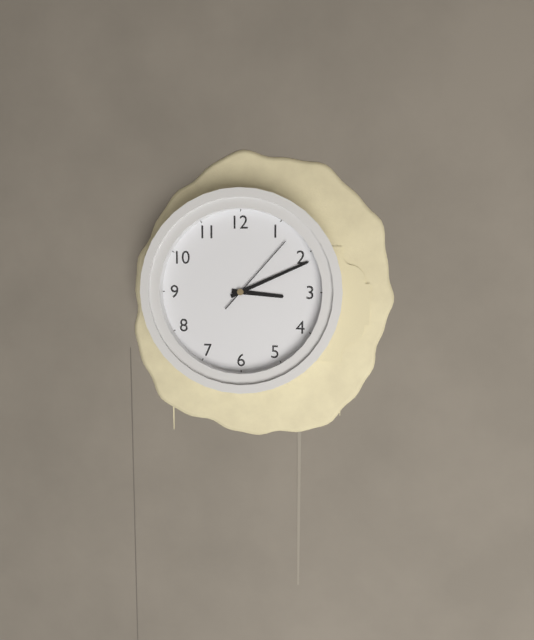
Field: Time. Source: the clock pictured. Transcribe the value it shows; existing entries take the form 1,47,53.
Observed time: 3,11,07
